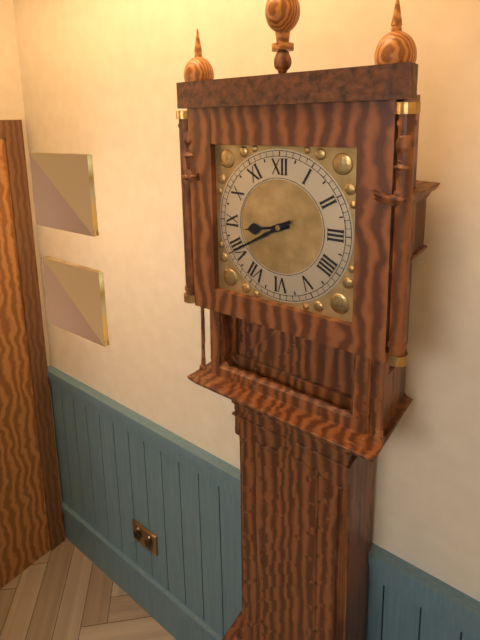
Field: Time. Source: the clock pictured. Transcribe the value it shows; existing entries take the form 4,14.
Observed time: 8,40
